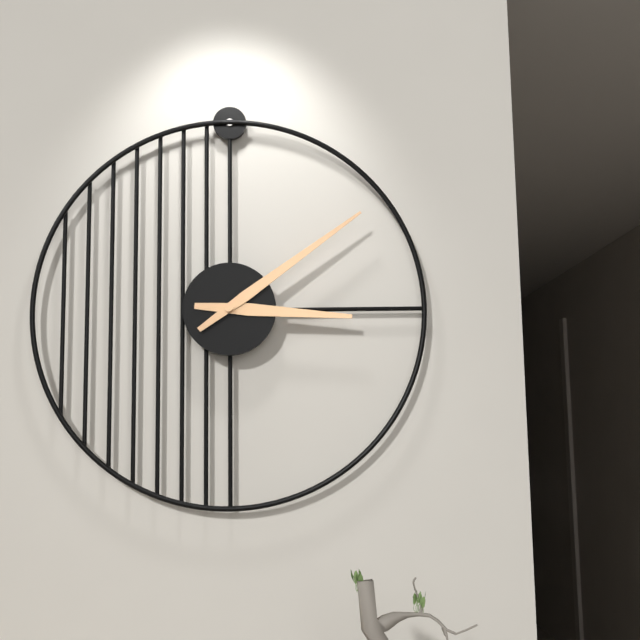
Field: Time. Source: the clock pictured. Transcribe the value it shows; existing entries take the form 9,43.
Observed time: 3,09
